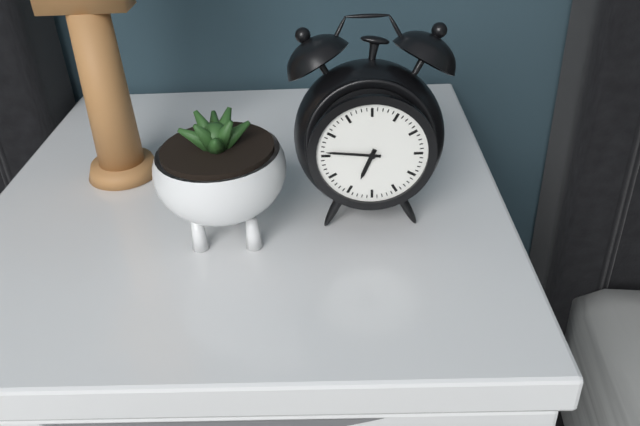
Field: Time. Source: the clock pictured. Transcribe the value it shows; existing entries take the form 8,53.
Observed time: 6,46
